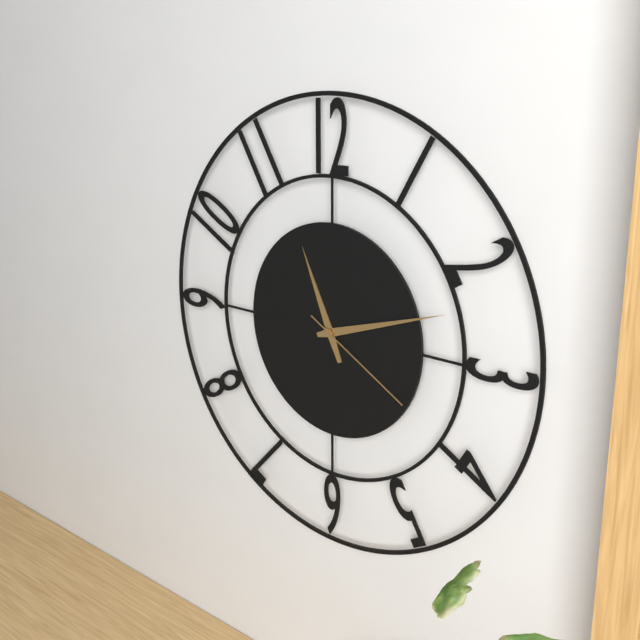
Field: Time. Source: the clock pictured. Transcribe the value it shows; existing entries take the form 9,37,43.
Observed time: 11,12,20
